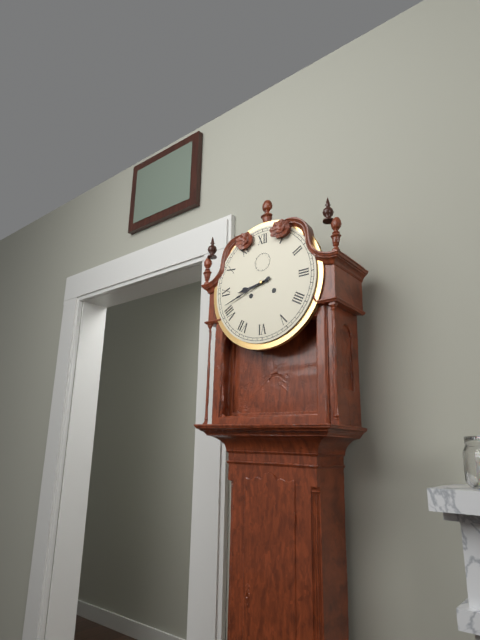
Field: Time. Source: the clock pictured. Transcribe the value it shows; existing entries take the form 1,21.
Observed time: 8,42
